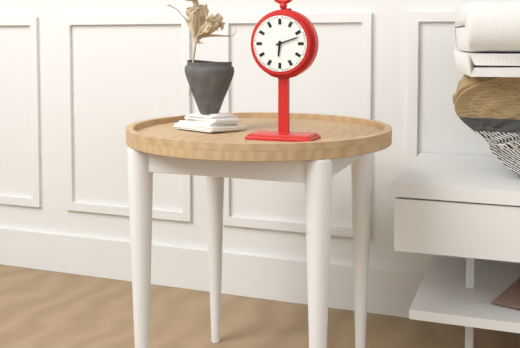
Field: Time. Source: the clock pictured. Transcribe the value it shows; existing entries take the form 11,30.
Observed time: 6,12
